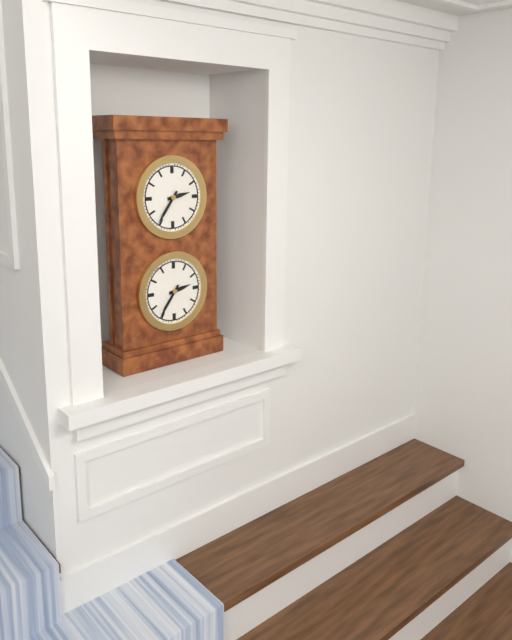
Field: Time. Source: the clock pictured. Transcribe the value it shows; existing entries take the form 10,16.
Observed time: 2,36
